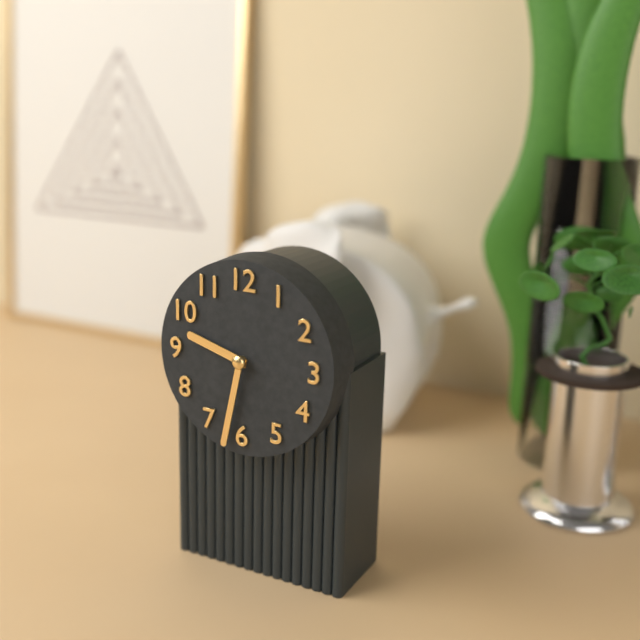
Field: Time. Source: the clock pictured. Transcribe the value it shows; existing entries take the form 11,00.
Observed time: 9,32
